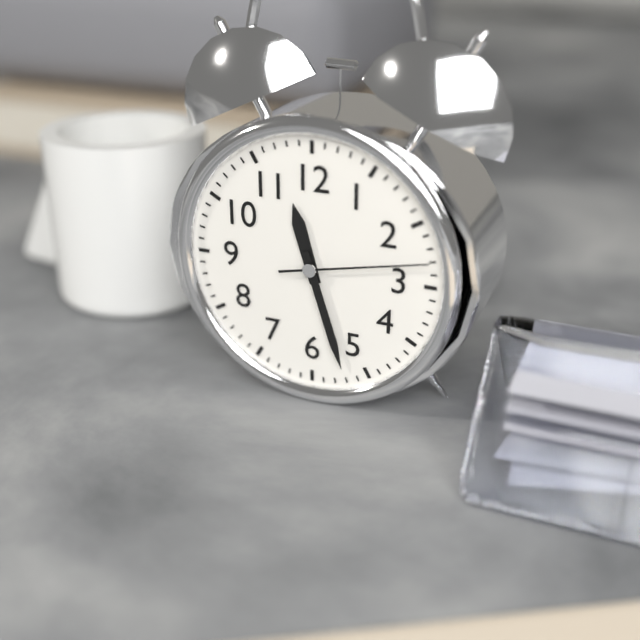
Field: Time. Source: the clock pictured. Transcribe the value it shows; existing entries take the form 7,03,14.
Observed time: 11,27,13
